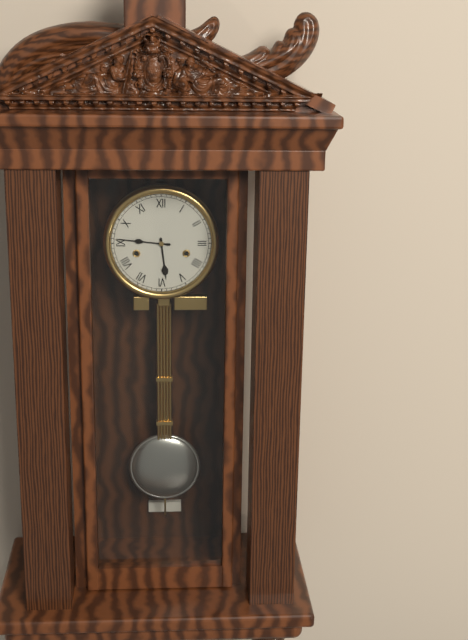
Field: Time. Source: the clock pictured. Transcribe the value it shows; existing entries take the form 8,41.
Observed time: 5,46
